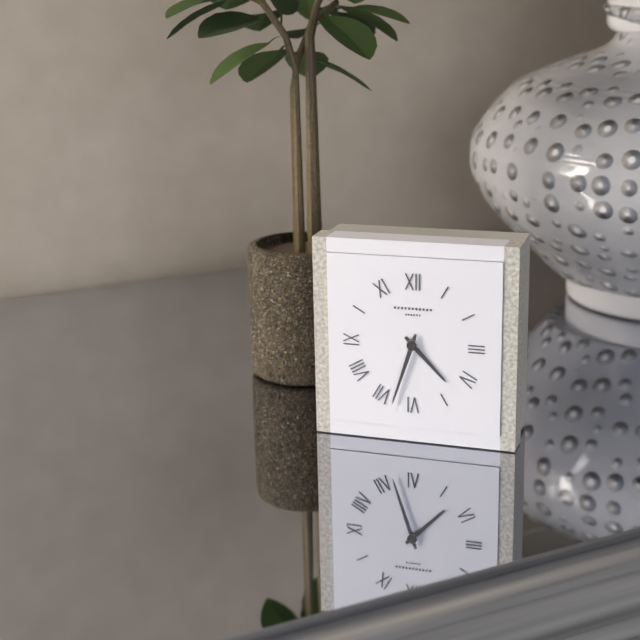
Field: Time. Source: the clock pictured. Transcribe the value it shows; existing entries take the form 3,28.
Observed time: 4,33
